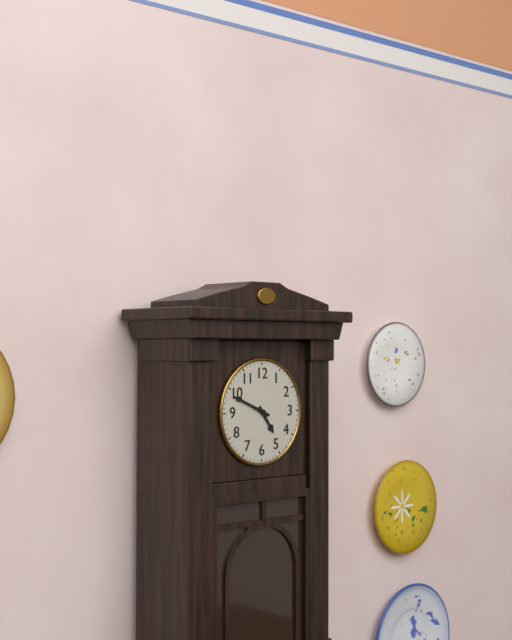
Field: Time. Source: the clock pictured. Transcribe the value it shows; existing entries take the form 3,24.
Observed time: 4,49
